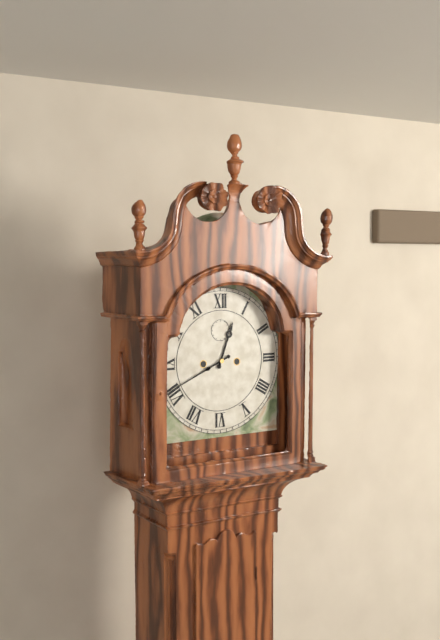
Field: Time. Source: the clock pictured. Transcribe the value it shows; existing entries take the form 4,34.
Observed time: 12,41
